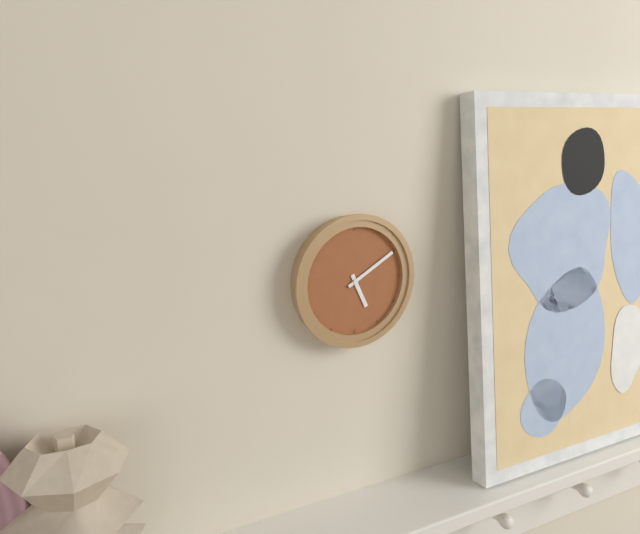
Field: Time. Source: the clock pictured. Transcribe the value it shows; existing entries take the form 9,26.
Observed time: 5,10
